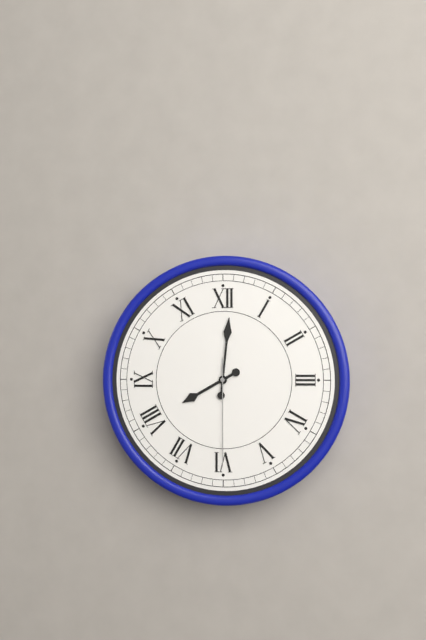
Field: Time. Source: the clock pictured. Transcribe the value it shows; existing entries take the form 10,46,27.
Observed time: 8,01,30
